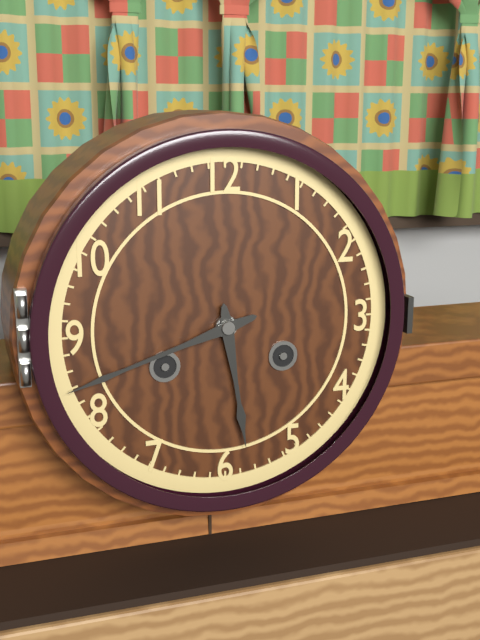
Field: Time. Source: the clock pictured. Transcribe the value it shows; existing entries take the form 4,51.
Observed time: 5,42
